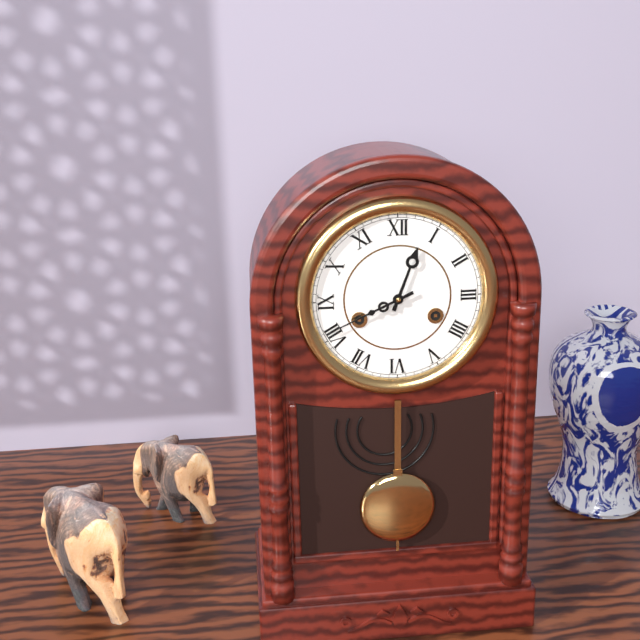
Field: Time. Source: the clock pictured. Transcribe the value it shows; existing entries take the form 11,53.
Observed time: 12,41
